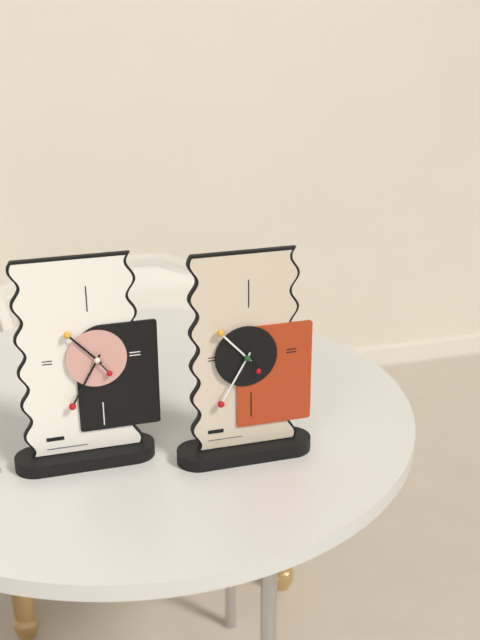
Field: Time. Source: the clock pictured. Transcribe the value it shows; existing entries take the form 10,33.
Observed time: 10,35
